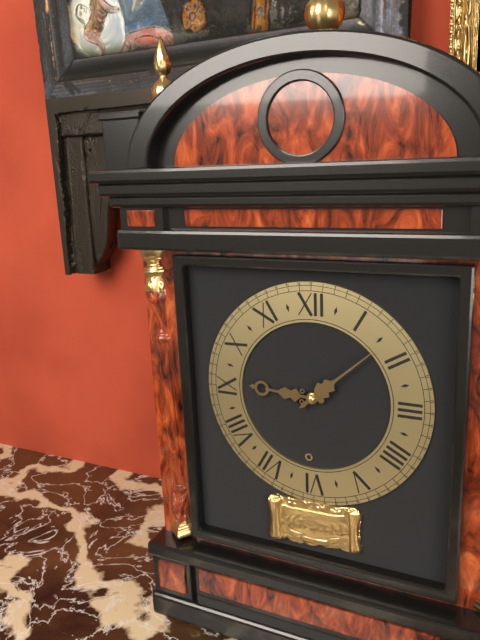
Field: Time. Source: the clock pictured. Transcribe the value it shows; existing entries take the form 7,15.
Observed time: 9,08
